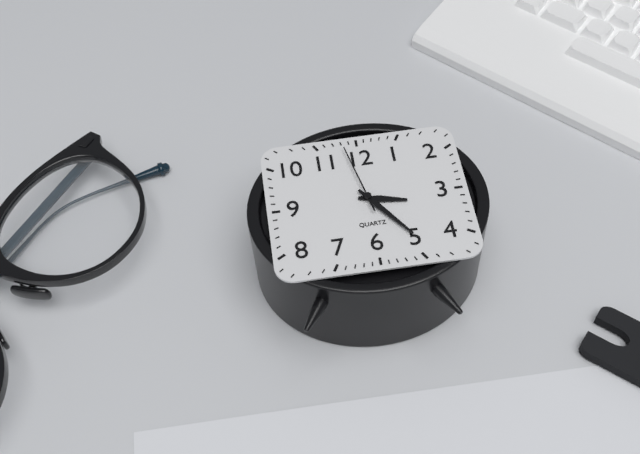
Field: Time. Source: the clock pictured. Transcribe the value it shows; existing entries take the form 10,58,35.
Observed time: 3,24,58
